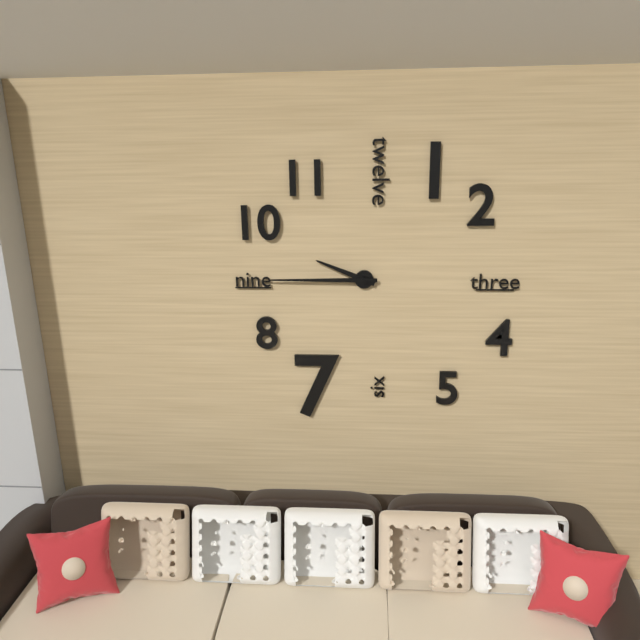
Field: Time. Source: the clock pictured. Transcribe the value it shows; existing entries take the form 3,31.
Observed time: 9,45
